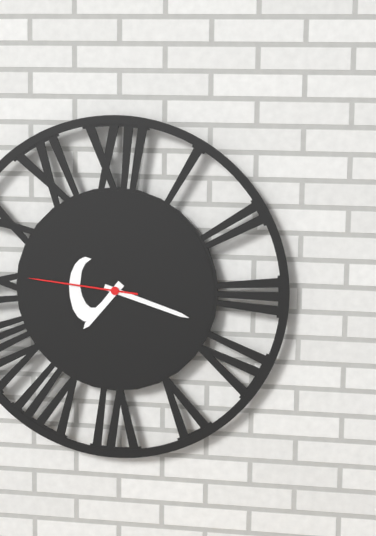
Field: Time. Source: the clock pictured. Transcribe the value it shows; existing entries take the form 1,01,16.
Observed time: 7,18,46
